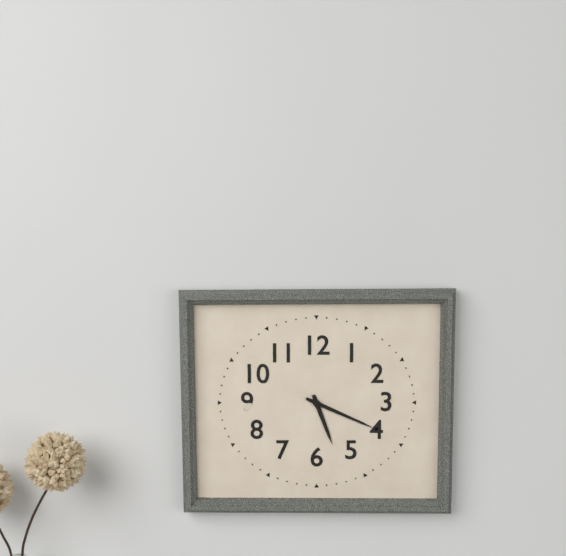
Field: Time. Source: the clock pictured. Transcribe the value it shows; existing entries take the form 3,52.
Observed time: 5,19
